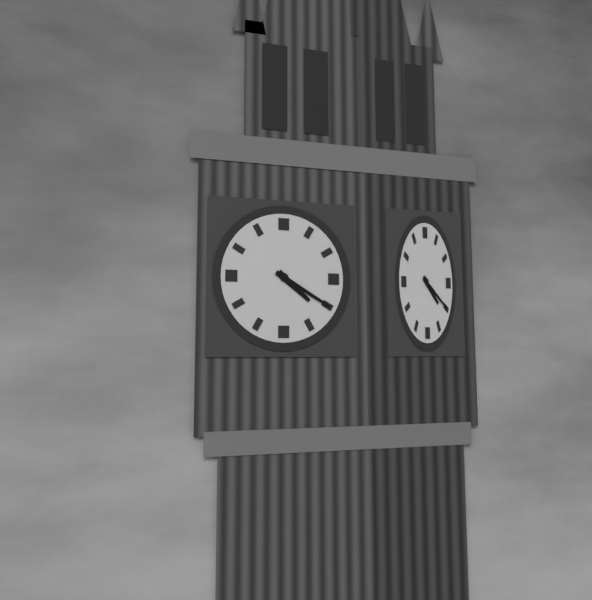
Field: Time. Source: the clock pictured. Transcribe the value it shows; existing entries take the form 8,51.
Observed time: 4,20
